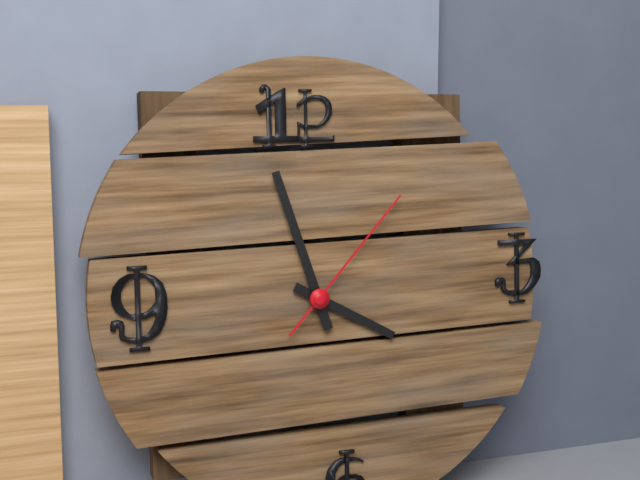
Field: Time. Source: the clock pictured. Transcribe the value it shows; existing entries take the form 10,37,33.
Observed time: 3,57,07
